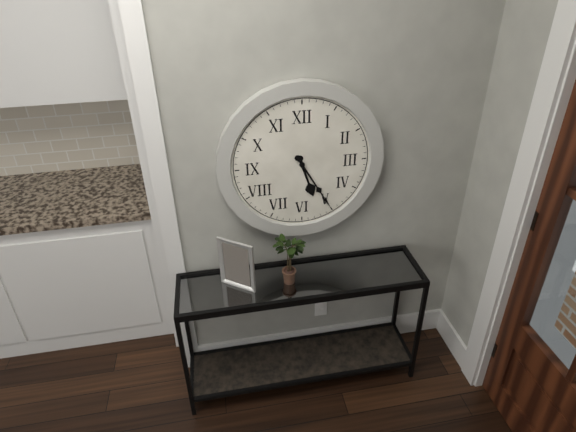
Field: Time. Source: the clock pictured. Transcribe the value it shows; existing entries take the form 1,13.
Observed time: 5,25
